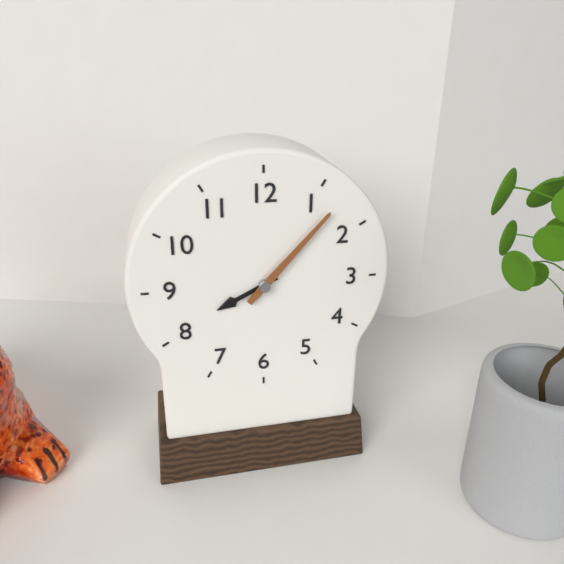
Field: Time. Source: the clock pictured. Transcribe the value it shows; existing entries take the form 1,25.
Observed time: 8,07
